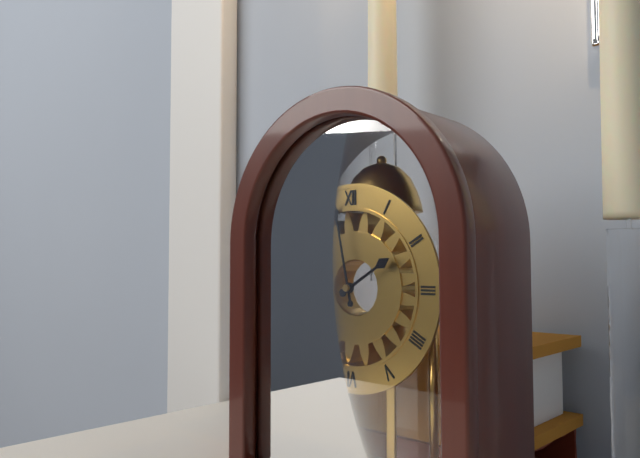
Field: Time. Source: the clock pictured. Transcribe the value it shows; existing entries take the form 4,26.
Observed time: 1,58
